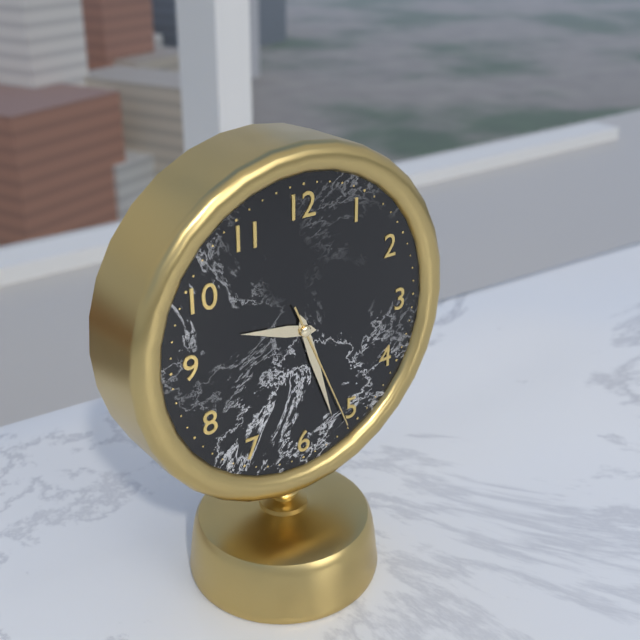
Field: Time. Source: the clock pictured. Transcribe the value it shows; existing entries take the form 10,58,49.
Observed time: 9,27,26
